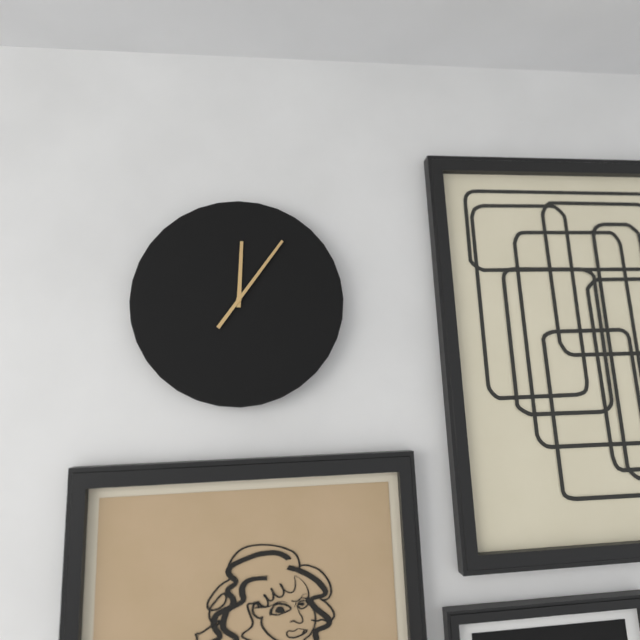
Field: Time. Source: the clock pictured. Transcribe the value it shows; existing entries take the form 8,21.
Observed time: 12,06
